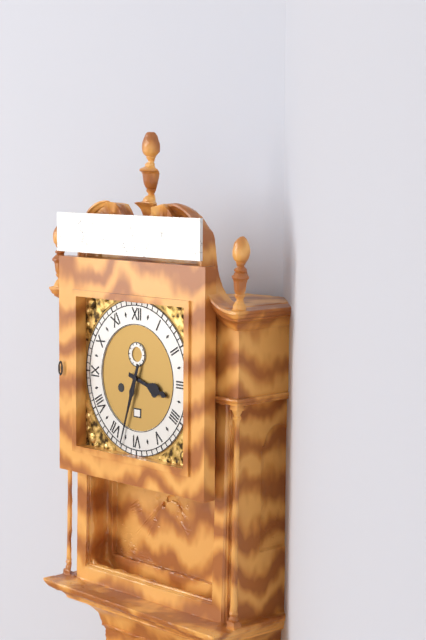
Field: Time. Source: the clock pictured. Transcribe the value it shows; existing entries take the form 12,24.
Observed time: 3,33
